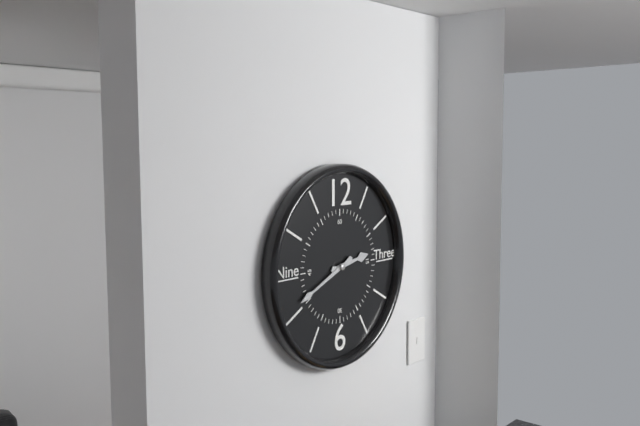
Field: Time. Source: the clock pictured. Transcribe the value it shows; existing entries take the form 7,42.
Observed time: 2,41
